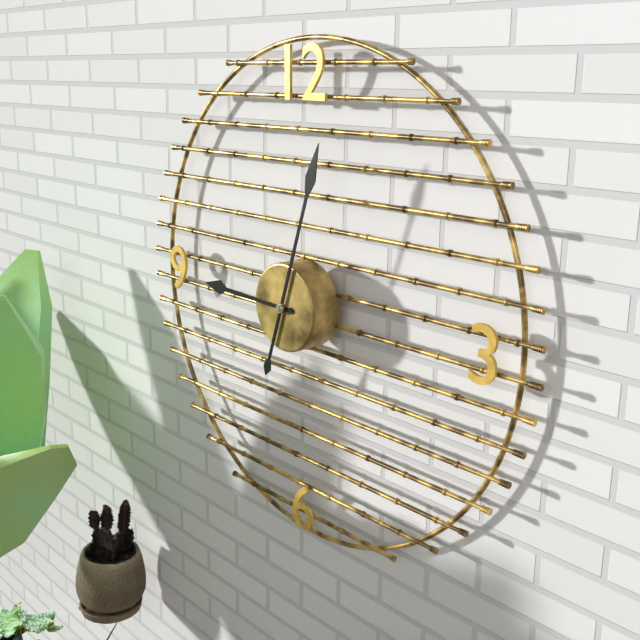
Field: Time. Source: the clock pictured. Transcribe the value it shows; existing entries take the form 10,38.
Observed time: 9,03
